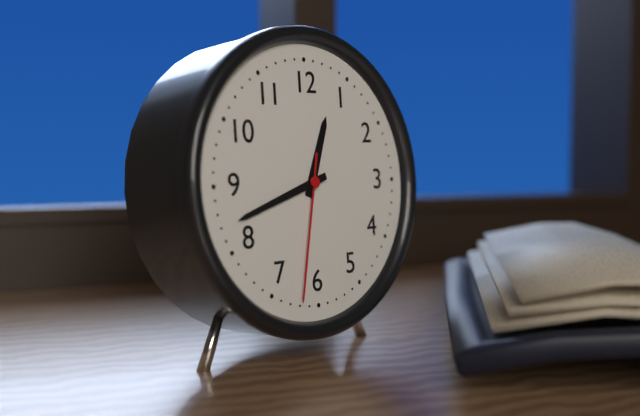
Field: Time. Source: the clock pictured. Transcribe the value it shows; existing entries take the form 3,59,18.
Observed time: 12,42,32
